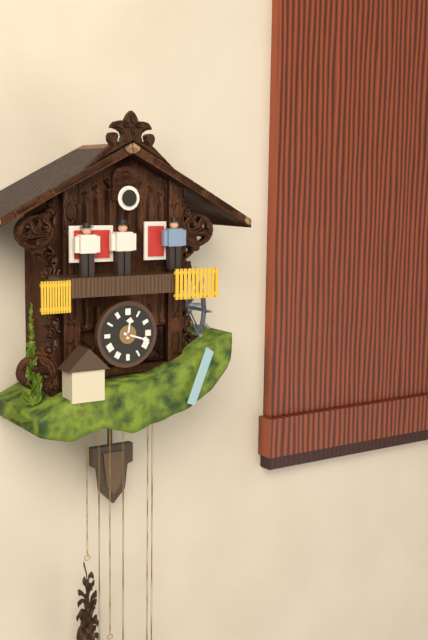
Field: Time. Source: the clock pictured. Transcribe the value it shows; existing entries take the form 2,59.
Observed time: 12,18
